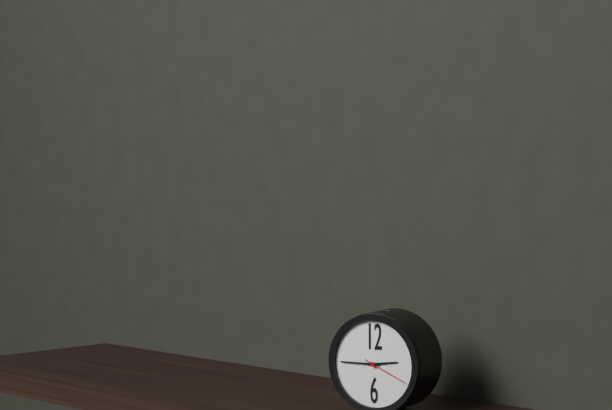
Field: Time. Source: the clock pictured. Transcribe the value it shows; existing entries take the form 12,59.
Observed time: 2,45
